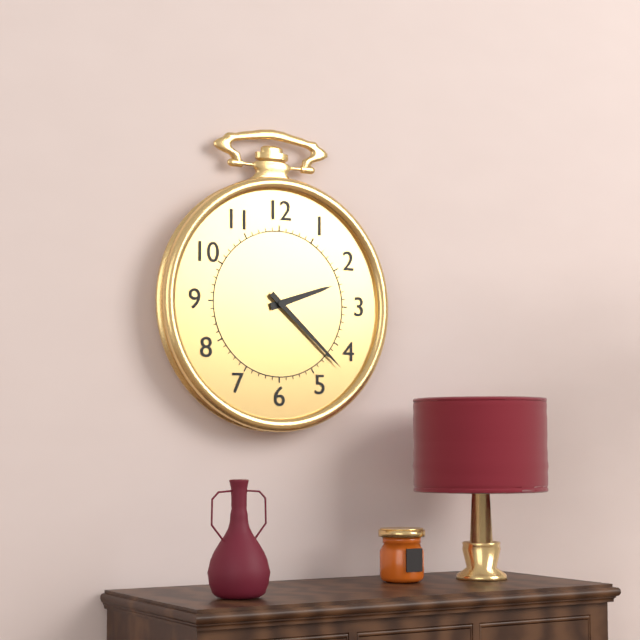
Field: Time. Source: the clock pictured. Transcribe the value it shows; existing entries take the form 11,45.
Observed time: 2,22
